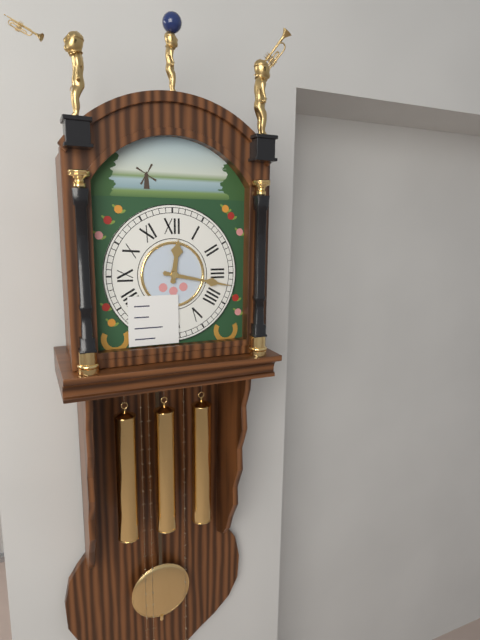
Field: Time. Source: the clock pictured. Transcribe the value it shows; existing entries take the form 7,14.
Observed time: 12,17
